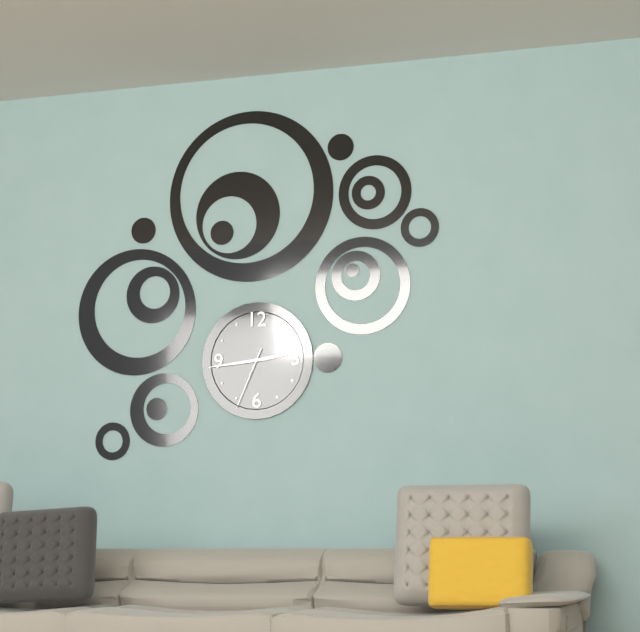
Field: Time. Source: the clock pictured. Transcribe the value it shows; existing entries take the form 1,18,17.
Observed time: 2,44,34
